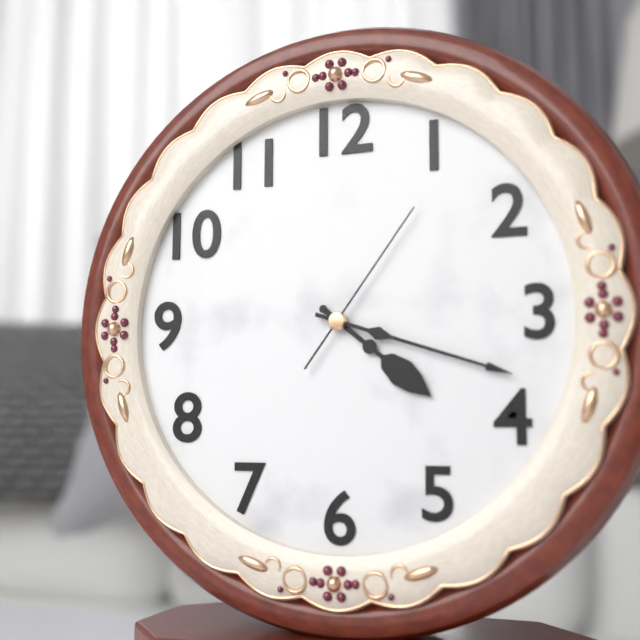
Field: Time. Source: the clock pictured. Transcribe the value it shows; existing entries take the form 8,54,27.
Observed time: 4,18,06
